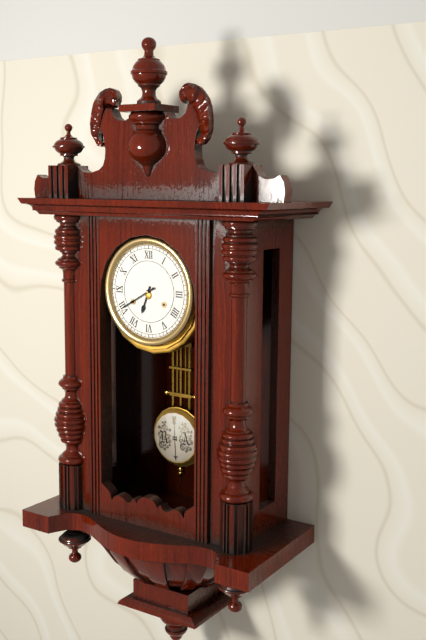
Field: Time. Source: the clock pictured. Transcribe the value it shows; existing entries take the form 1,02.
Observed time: 6,40
